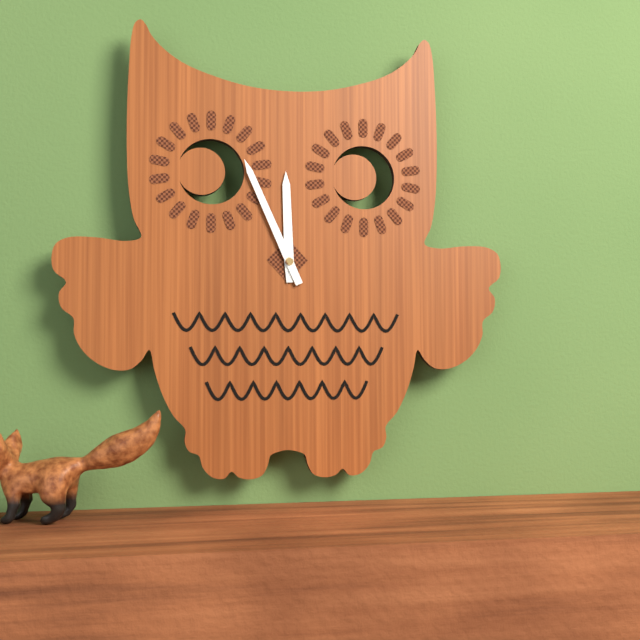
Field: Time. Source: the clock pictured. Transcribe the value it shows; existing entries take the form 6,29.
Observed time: 11,56
